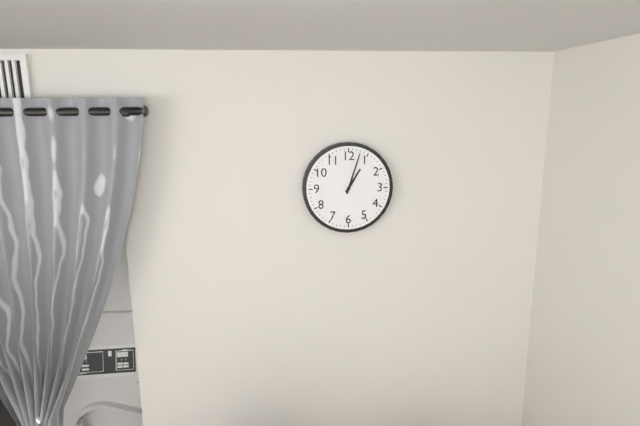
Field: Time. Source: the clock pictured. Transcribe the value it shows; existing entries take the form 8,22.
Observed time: 1,03
